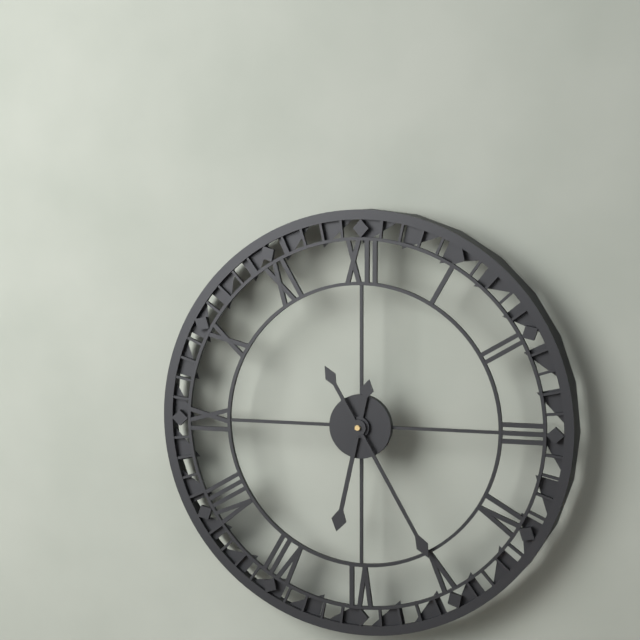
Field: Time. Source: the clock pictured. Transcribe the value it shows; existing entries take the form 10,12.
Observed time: 6,25
